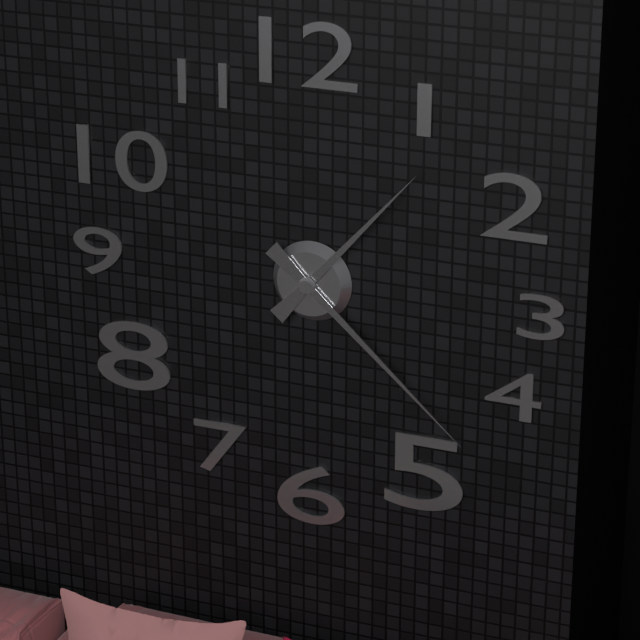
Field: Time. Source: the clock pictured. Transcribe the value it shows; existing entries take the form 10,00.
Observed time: 1,22
